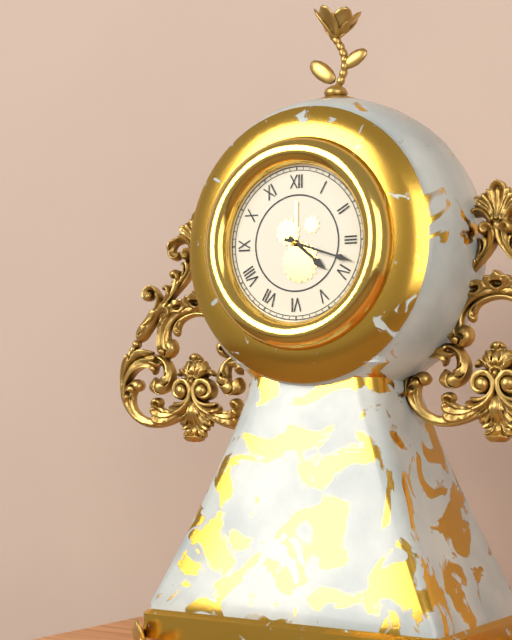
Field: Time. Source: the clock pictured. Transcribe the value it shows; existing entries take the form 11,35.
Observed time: 4,18
